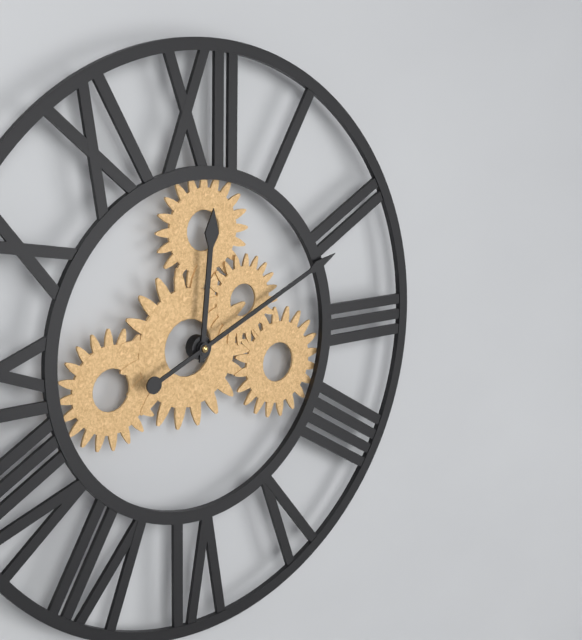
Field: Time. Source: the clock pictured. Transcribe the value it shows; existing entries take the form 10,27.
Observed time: 12,11
